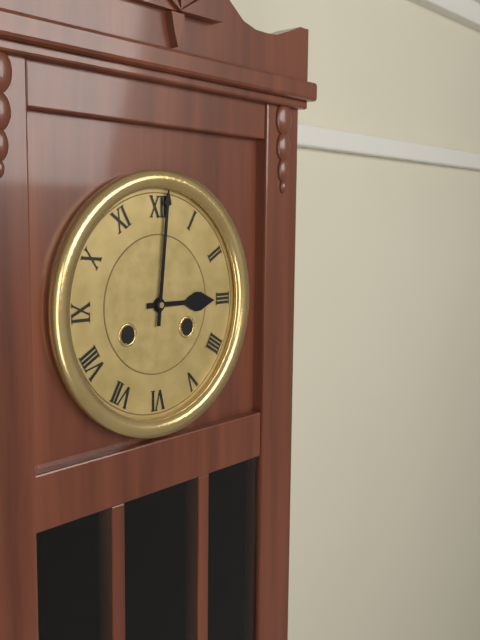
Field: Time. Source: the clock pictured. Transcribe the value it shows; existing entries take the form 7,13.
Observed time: 3,01
